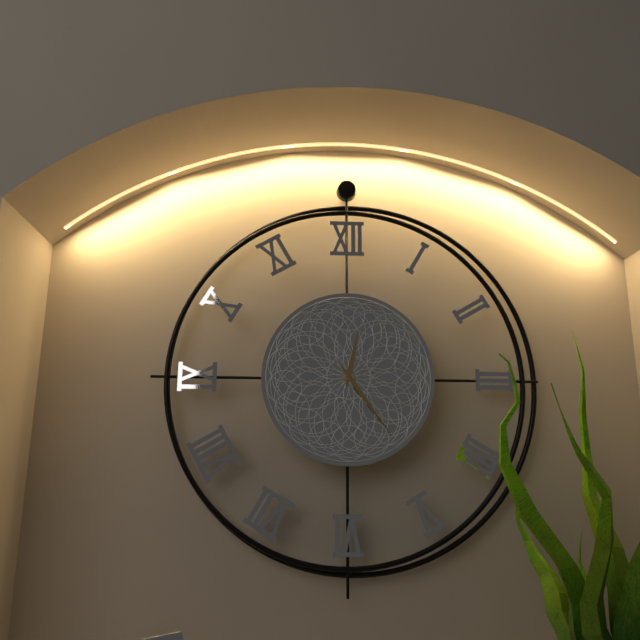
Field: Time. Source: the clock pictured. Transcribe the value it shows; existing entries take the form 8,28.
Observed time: 12,24
